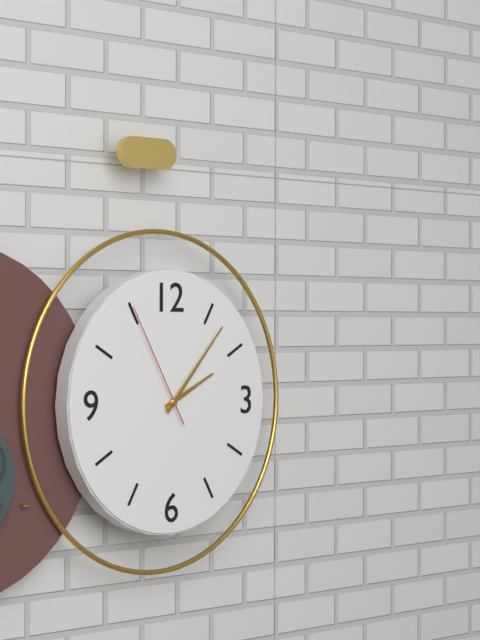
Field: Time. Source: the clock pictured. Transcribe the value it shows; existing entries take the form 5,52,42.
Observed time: 2,07,55
